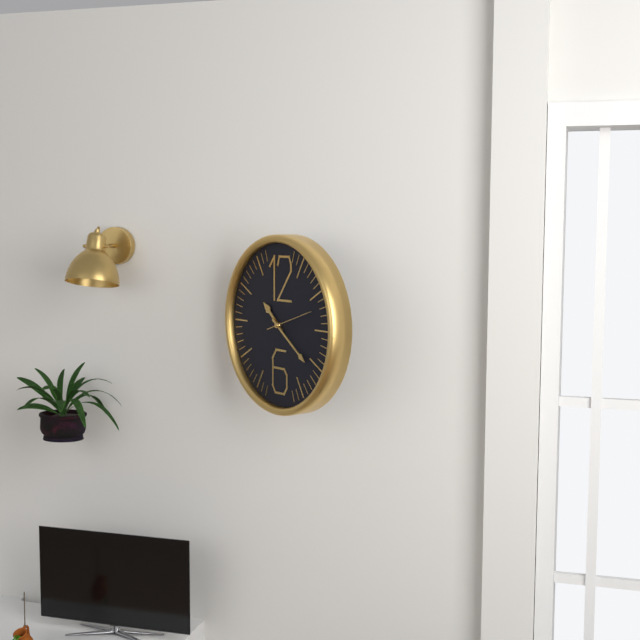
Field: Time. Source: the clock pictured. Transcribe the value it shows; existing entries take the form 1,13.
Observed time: 10,21
